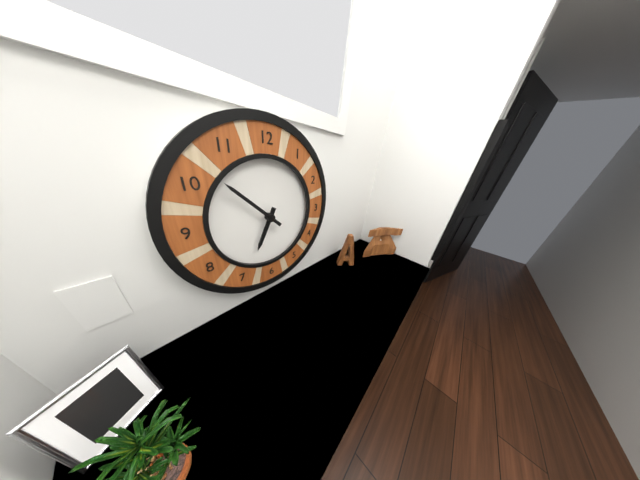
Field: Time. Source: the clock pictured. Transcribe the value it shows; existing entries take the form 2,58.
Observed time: 6,52
